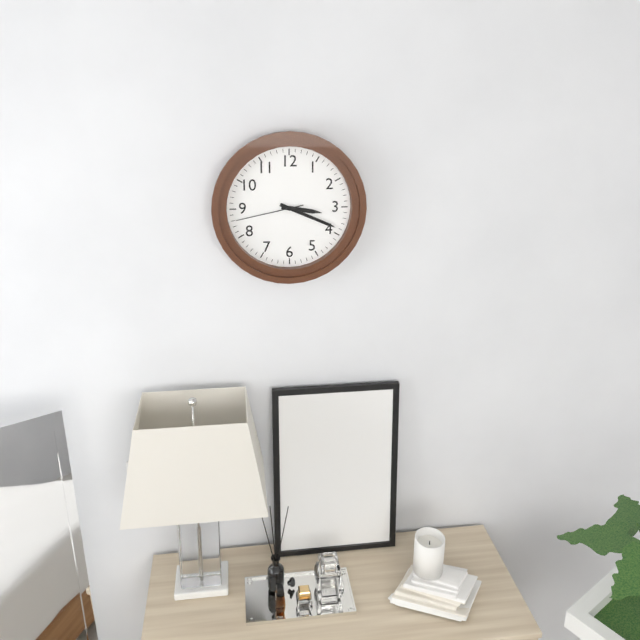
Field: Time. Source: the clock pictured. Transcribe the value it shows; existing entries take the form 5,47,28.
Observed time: 3,19,43
